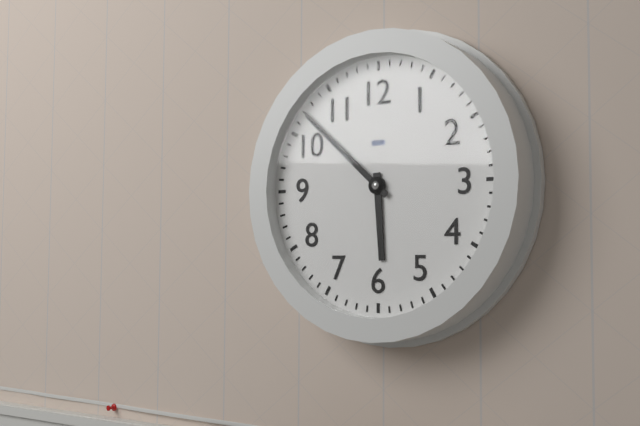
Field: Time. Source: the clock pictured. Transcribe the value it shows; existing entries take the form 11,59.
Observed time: 5,52
